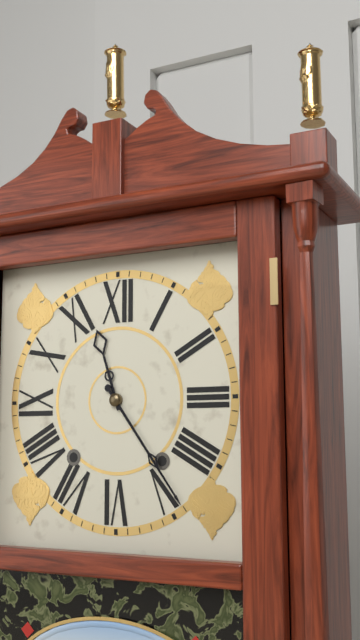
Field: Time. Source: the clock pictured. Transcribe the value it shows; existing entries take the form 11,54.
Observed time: 11,24
